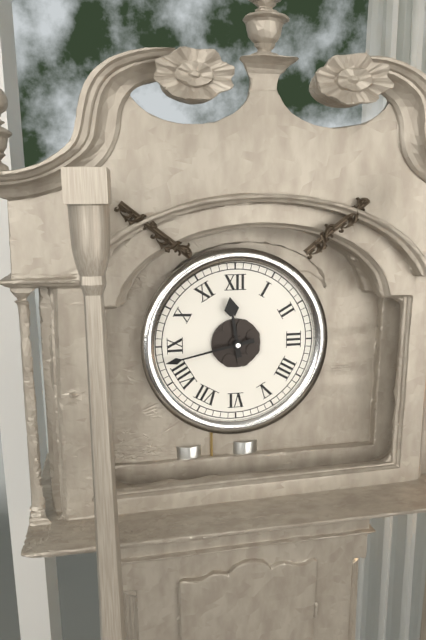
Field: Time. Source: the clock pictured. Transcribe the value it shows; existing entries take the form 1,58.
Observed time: 11,43
